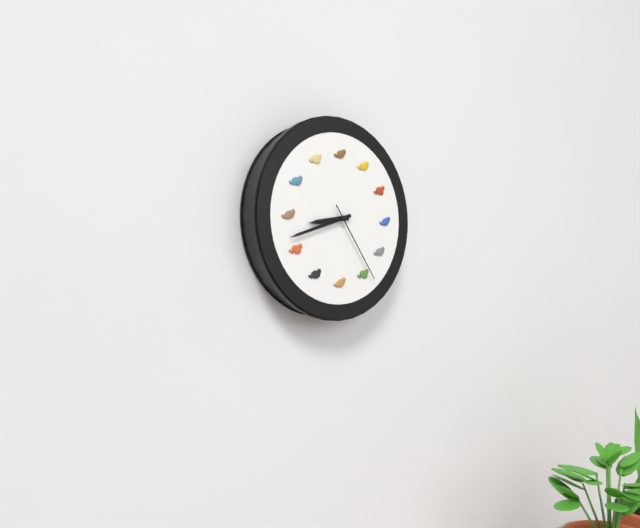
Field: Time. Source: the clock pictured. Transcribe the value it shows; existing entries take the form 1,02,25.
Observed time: 8,42,24
